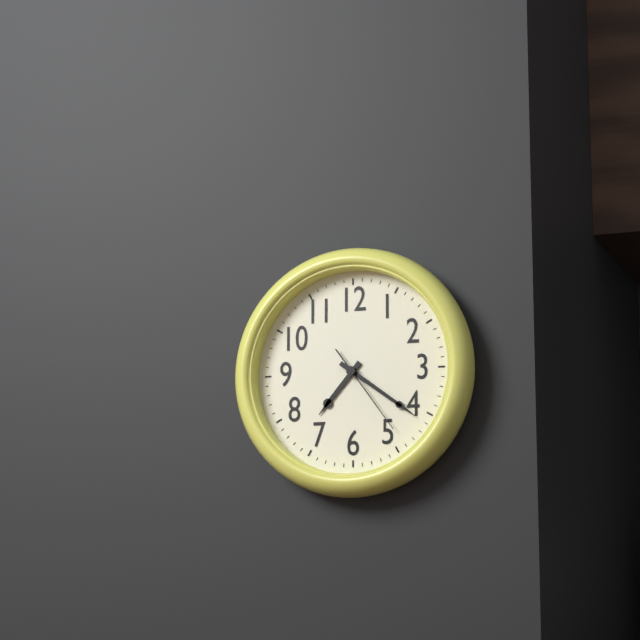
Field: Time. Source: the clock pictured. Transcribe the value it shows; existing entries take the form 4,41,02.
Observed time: 7,21,24
